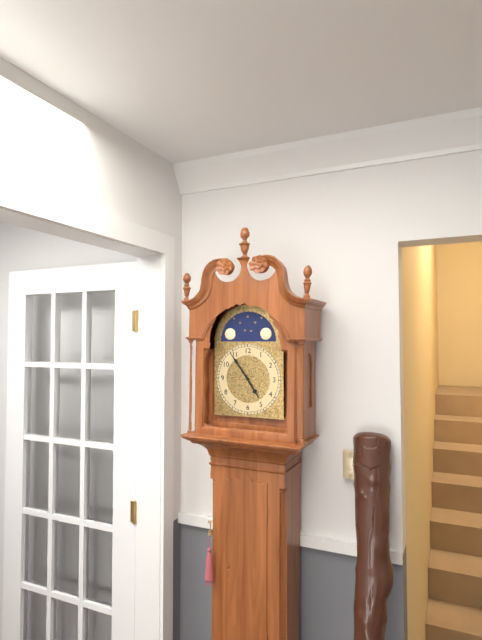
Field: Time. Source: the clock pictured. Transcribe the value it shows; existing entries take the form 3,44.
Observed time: 4,54
